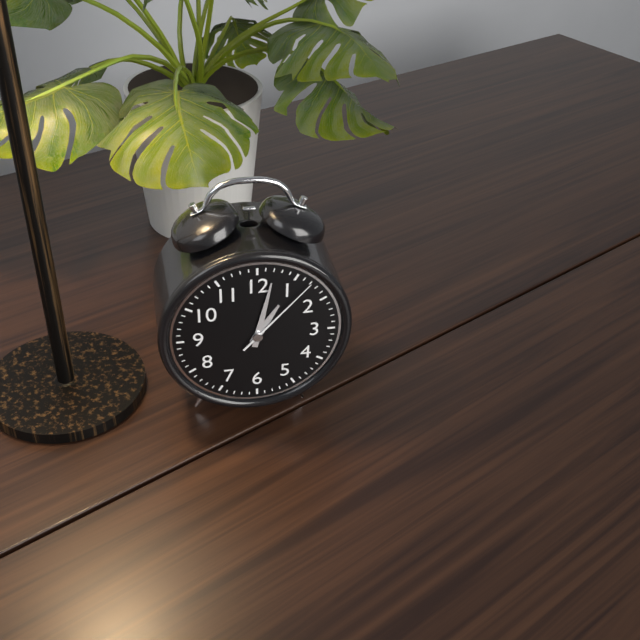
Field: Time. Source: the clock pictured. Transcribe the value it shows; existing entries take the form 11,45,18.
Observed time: 1,02,07
